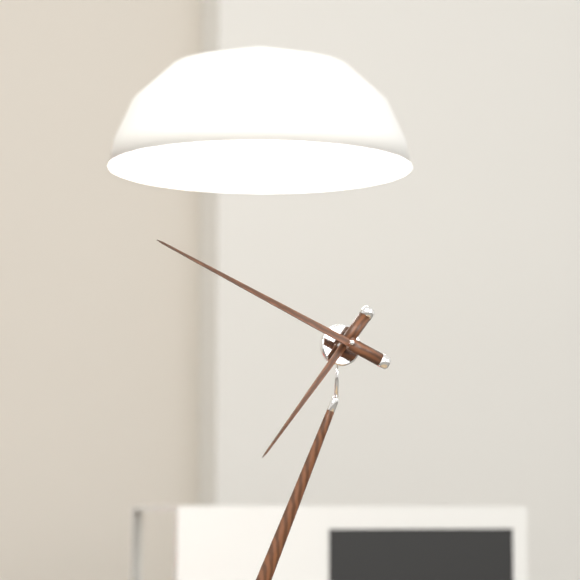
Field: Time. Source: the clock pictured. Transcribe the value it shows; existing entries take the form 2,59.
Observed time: 6,47
